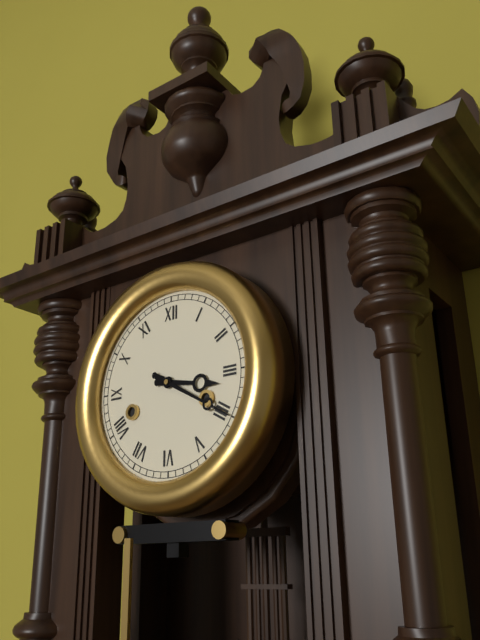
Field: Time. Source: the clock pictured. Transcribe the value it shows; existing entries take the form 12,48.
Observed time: 3,20
